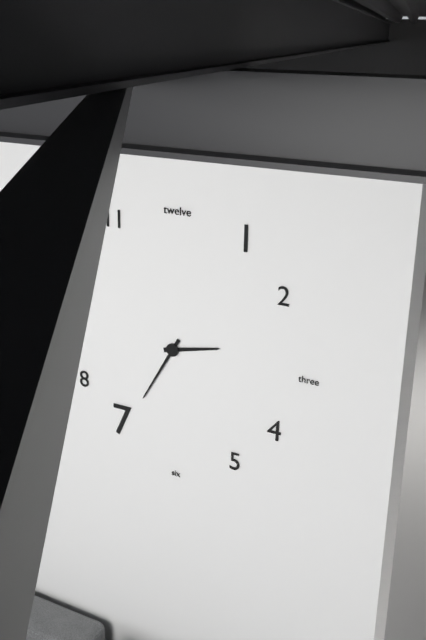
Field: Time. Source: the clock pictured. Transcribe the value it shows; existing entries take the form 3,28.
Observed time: 2,35
